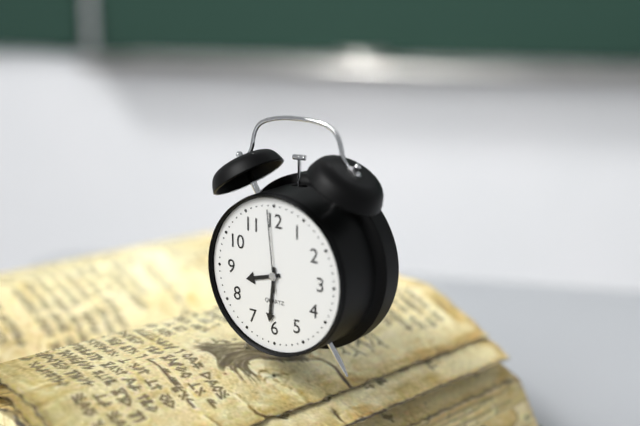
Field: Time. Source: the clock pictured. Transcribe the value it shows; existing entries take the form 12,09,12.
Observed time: 8,31,59
